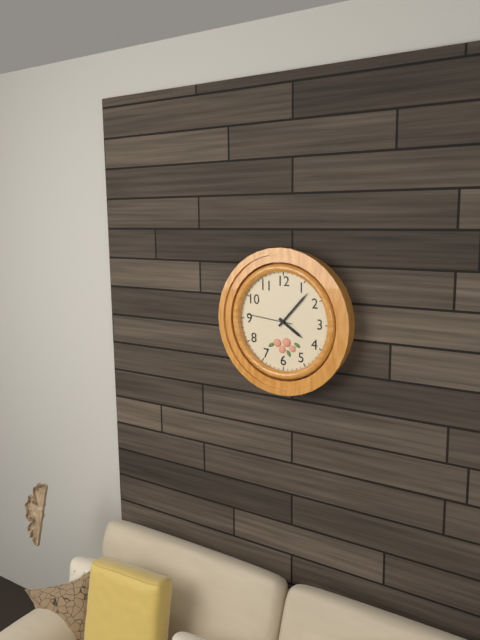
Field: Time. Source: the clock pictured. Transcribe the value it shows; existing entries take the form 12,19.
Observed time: 4,07
